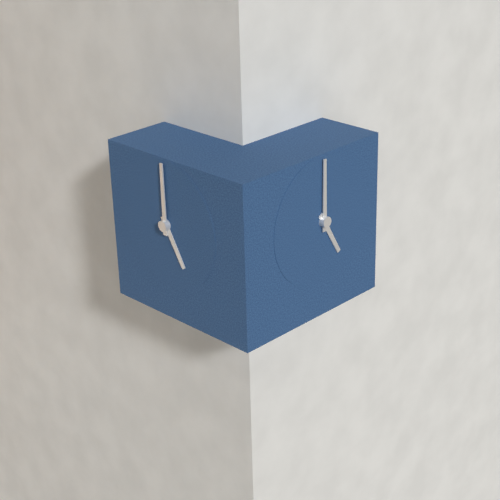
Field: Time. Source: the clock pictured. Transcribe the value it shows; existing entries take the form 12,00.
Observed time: 5,00
